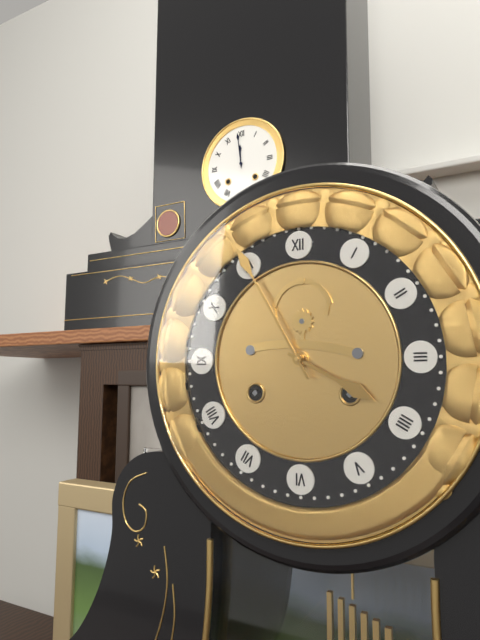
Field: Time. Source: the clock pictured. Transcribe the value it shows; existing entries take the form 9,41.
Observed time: 3,55
